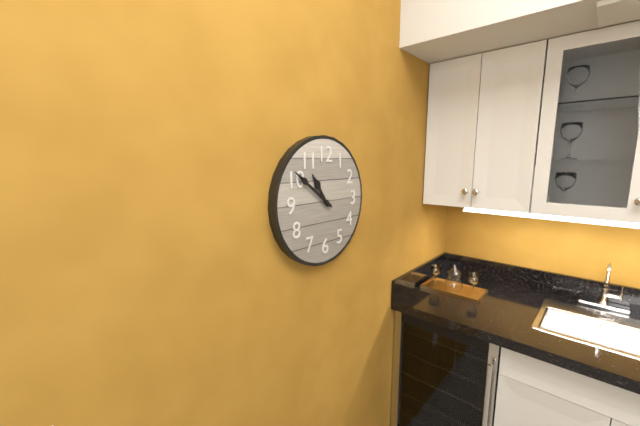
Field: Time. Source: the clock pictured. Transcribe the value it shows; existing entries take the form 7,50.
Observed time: 10,51
